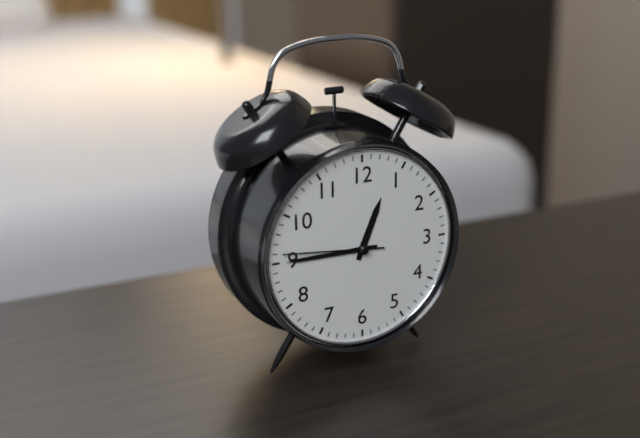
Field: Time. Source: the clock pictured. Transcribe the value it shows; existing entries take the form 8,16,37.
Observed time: 12,45,46
